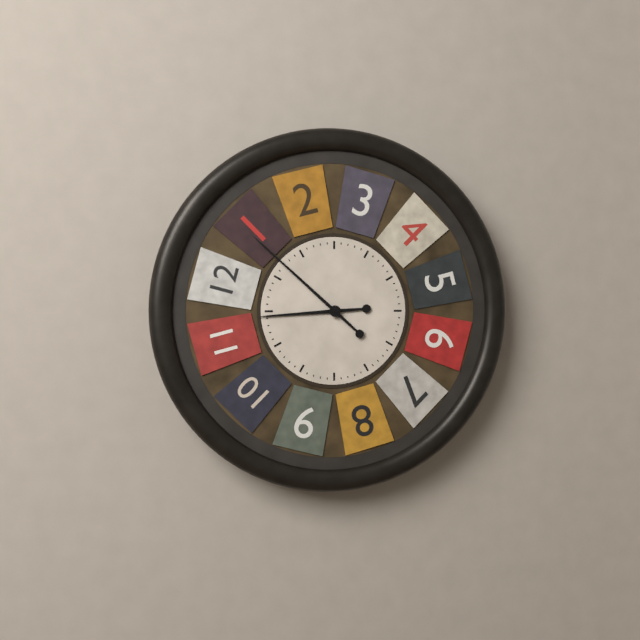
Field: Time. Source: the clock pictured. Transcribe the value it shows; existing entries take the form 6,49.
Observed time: 8,52
